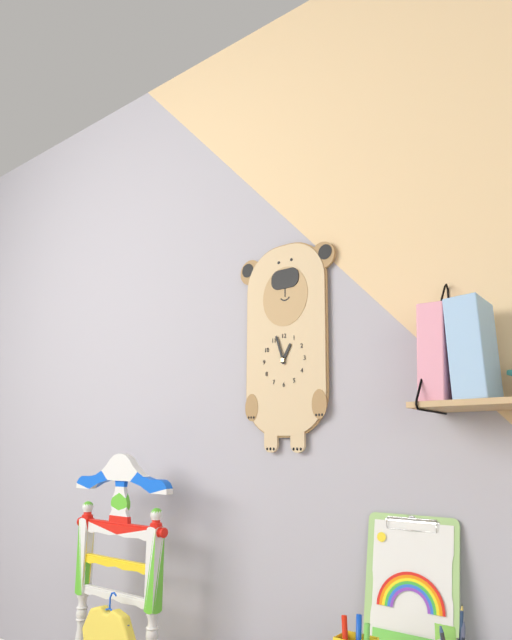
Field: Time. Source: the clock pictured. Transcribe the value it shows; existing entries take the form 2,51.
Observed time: 12,57
